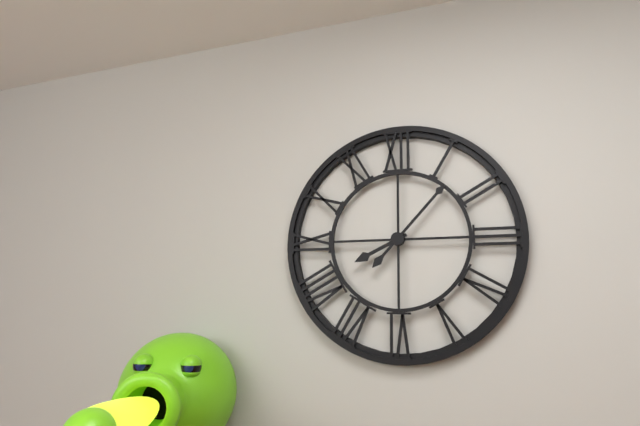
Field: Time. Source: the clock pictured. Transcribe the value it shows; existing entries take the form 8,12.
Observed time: 8,07
